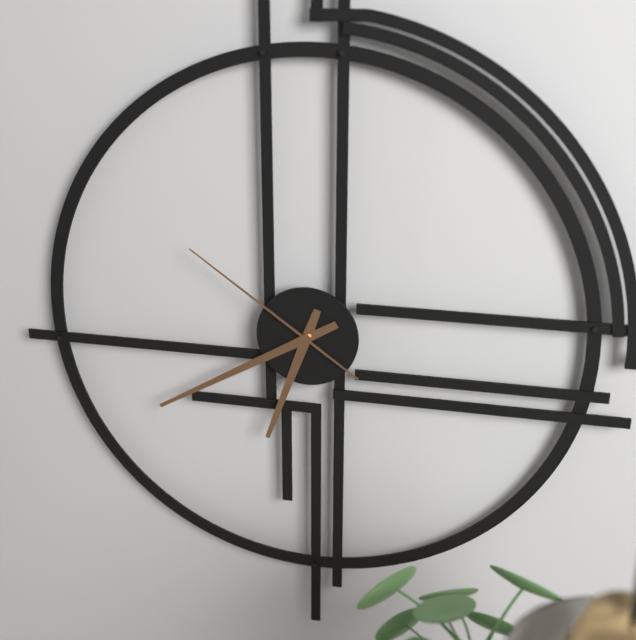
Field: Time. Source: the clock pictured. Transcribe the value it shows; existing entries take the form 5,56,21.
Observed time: 6,40,51
